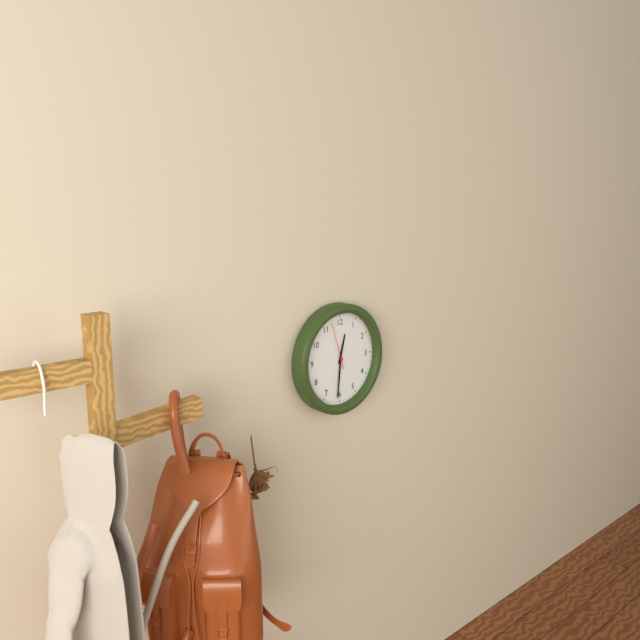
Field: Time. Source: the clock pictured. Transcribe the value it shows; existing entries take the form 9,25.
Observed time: 12,31
